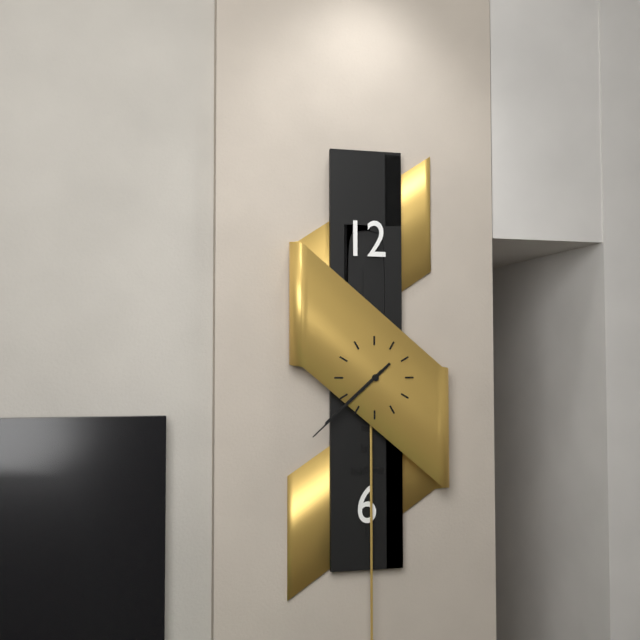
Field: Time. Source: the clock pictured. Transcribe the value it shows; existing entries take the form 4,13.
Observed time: 7,38
